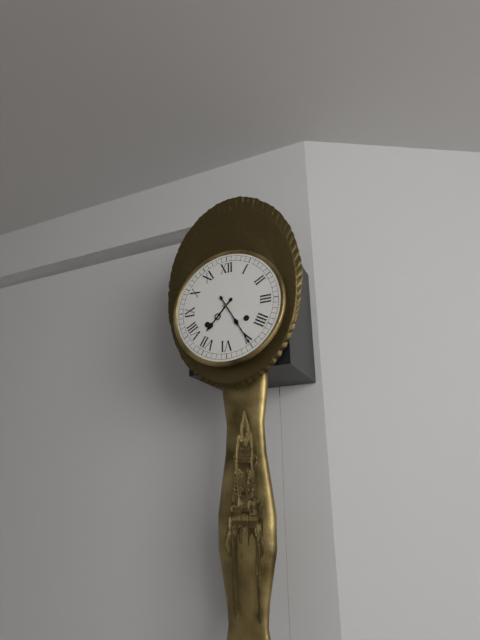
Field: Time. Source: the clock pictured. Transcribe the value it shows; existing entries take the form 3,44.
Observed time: 7,25
